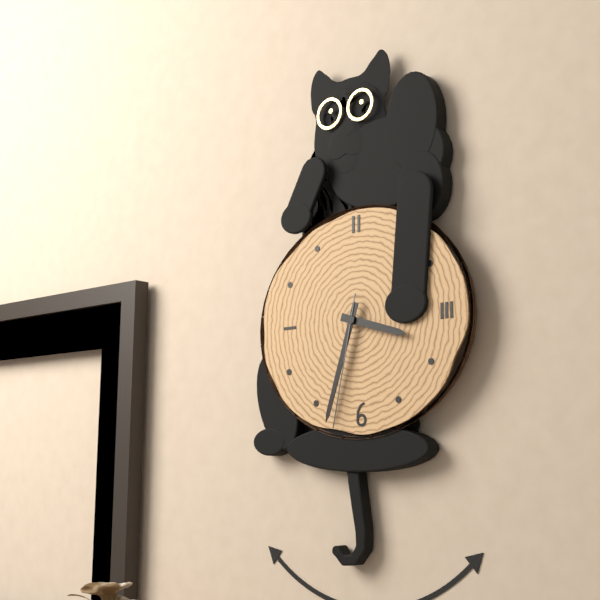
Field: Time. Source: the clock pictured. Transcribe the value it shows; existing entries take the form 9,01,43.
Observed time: 3,33,32
